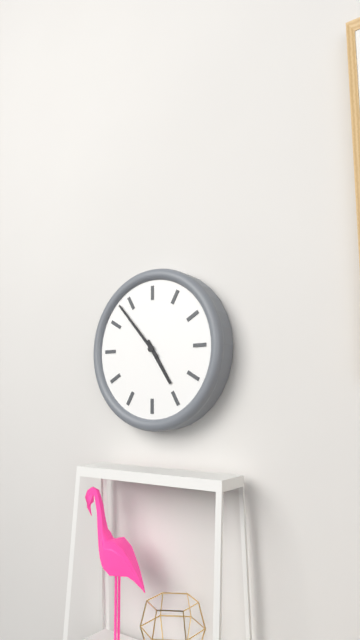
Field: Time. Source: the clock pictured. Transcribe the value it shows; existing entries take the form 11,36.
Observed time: 4,53
